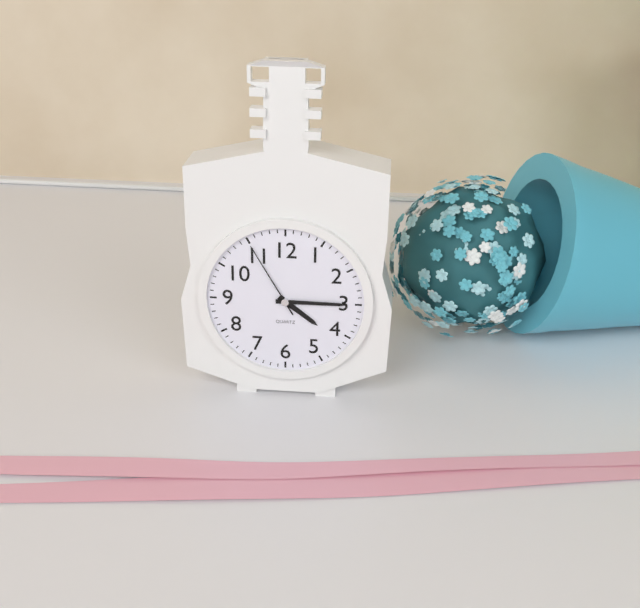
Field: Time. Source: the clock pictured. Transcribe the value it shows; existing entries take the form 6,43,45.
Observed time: 4,15,55
